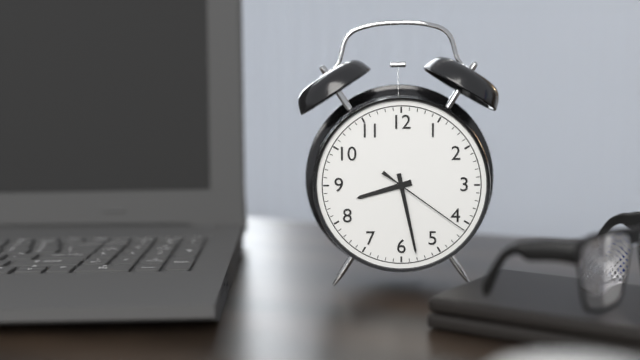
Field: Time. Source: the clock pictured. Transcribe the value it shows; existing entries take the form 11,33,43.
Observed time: 8,28,21
